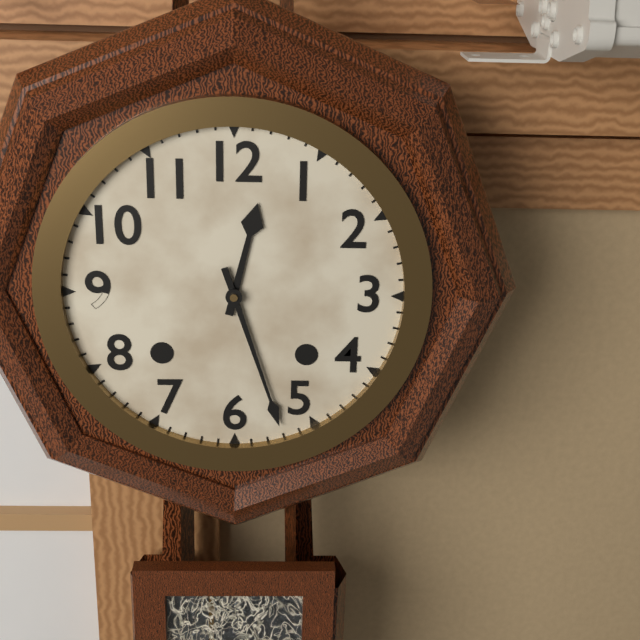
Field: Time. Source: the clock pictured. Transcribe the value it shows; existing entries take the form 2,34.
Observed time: 12,27
